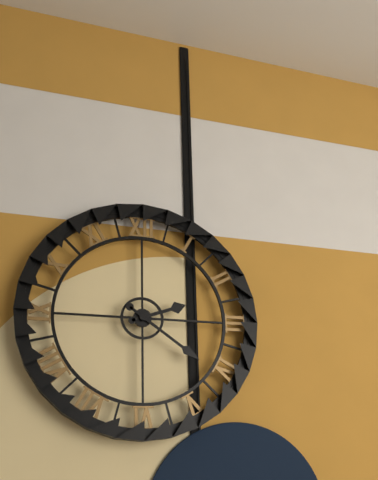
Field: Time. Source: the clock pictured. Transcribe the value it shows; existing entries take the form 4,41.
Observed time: 2,21
